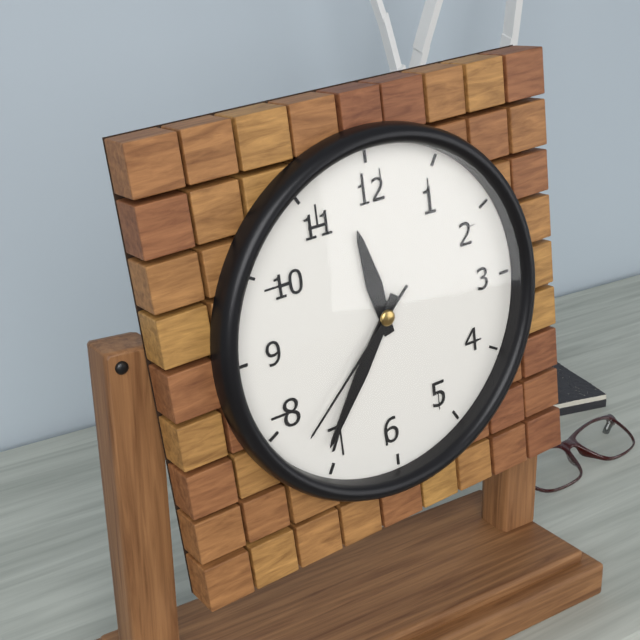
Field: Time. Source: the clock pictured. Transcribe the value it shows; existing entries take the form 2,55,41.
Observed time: 11,36,38
